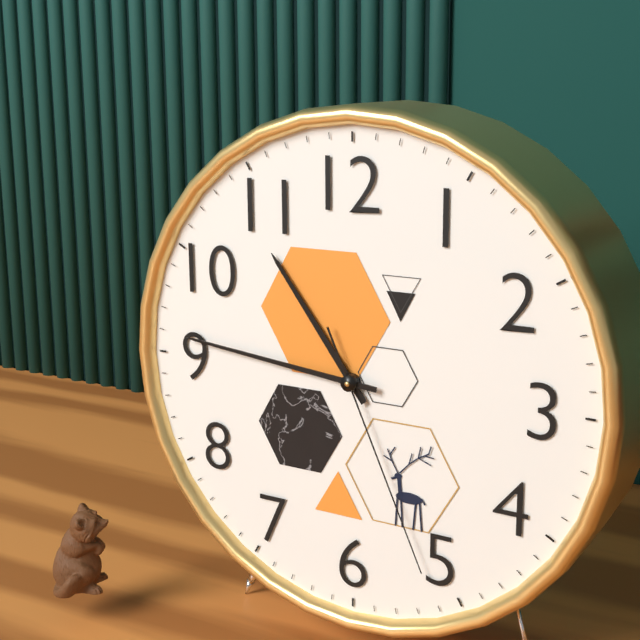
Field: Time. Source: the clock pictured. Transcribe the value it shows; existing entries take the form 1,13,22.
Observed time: 10,46,26
